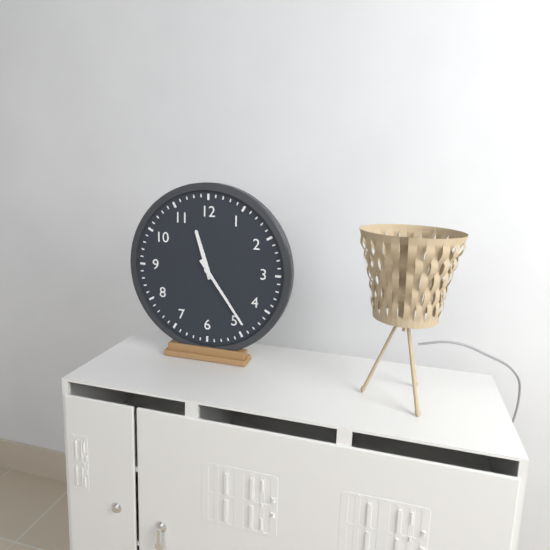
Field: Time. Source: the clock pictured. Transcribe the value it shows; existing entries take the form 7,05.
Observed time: 11,24
